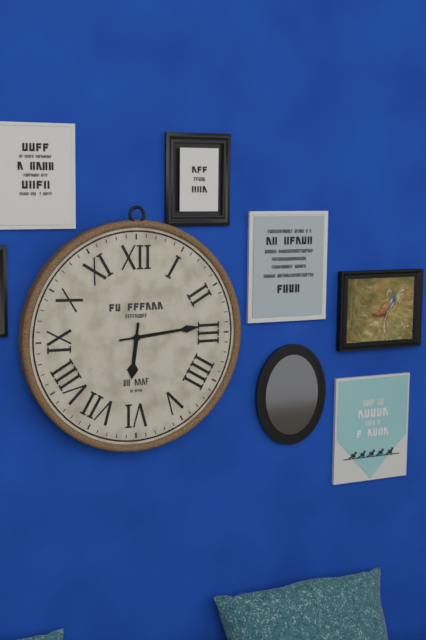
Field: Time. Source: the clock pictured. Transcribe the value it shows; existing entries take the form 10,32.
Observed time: 6,14
